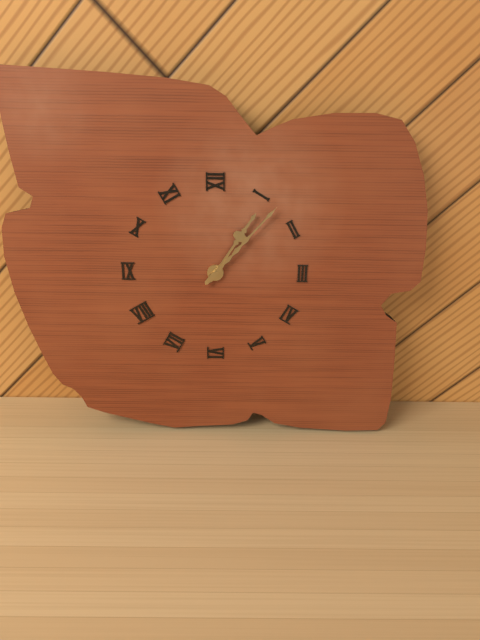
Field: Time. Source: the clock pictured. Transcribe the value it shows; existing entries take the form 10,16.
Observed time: 1,07
